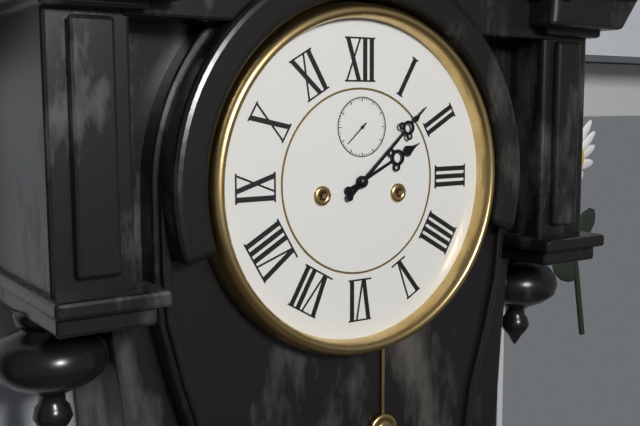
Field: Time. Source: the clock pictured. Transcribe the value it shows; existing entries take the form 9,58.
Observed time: 2,08
